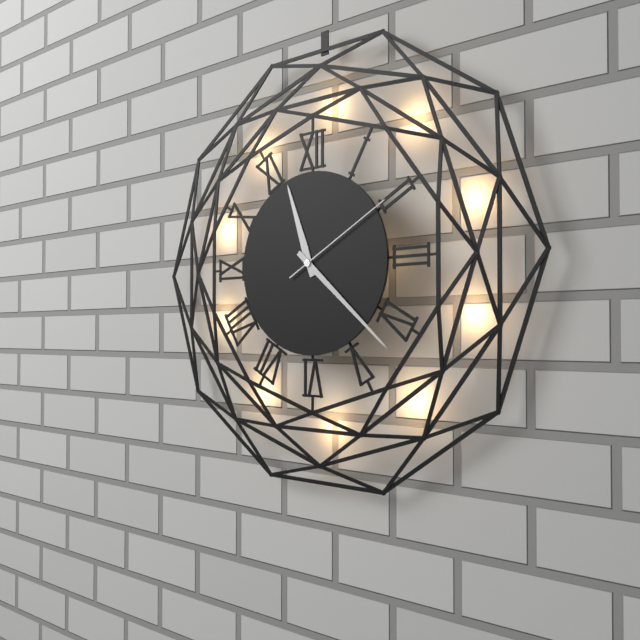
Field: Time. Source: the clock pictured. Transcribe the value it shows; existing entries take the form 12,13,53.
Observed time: 11,22,10
